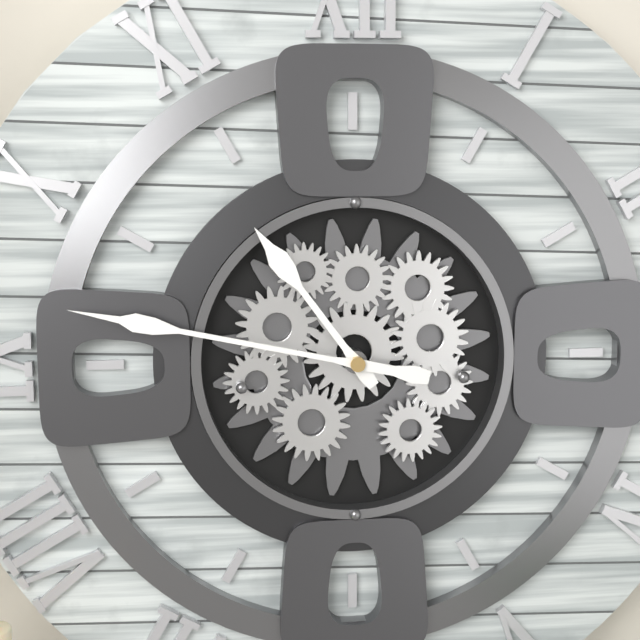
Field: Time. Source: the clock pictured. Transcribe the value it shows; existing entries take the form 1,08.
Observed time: 10,47
